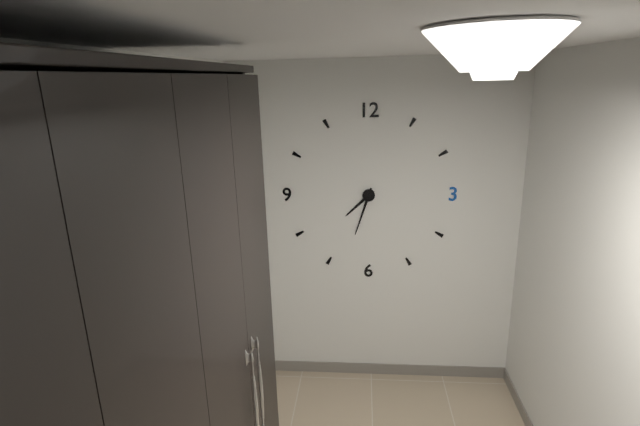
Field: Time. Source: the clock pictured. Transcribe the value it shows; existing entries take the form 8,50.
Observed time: 7,33
